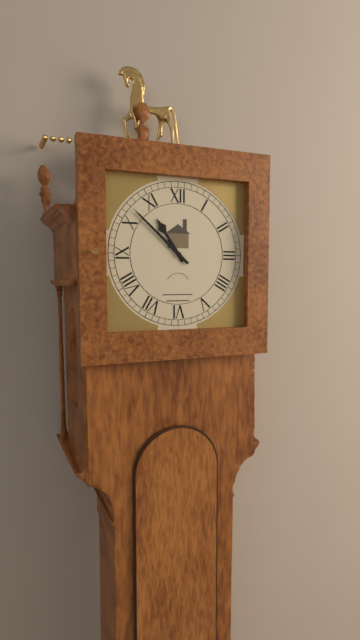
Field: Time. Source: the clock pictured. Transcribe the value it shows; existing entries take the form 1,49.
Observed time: 10,52
